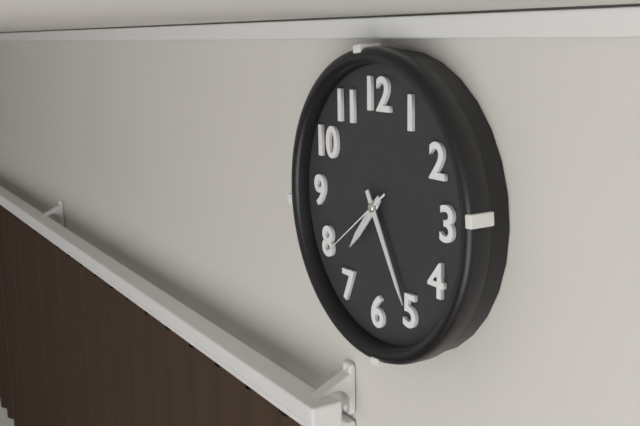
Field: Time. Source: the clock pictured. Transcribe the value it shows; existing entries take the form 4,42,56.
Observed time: 7,25,39
